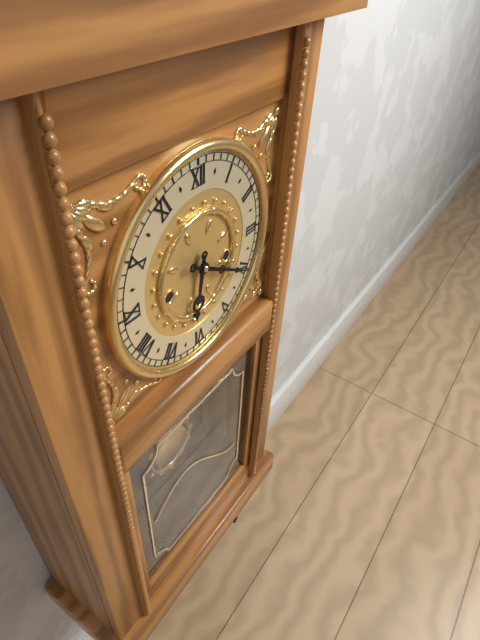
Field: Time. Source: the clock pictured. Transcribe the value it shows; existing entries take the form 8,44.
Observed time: 6,20
